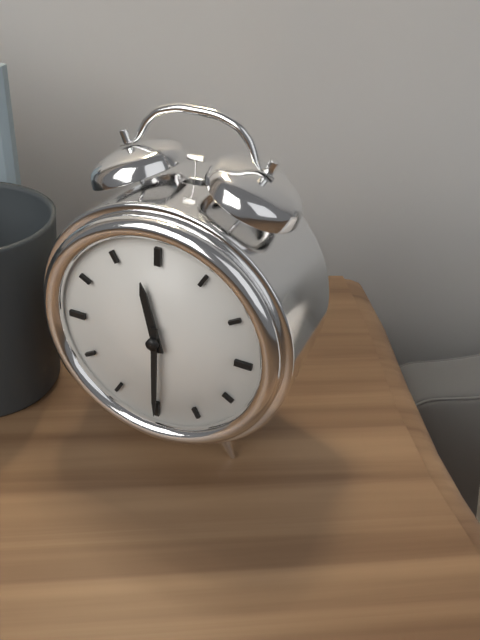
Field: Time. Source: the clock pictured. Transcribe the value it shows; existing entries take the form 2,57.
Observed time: 11,30
